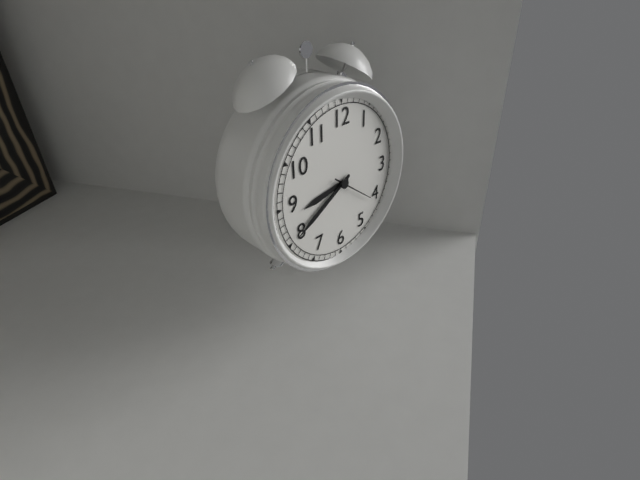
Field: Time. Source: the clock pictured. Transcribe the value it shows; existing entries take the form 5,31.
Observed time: 8,40
